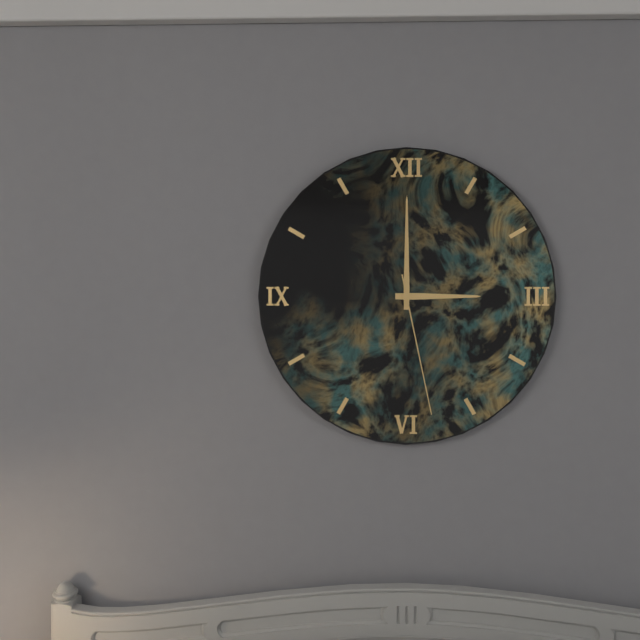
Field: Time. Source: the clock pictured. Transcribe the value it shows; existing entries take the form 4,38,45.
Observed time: 3,00,28
